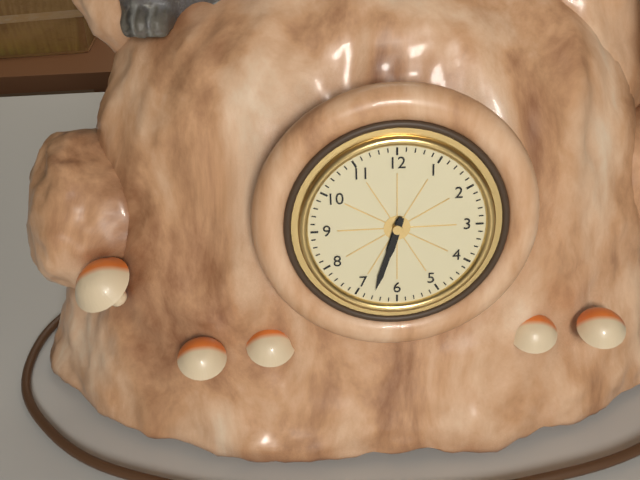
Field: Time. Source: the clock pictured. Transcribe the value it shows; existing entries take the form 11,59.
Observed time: 6,33
